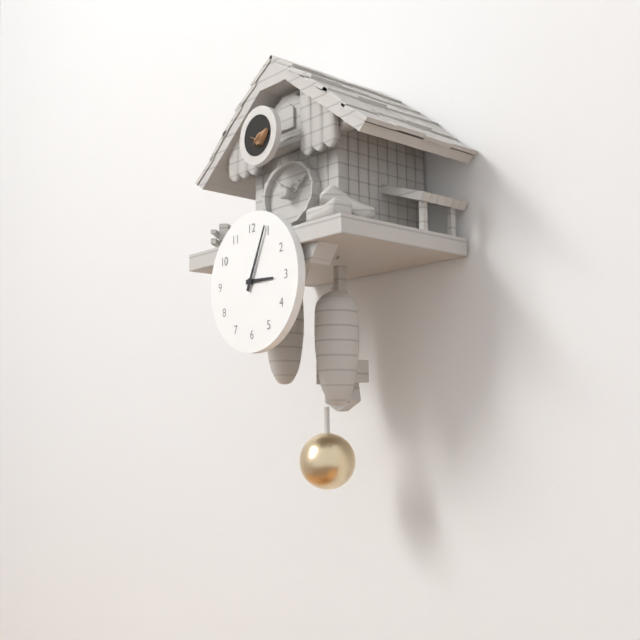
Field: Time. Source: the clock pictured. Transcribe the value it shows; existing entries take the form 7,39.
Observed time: 3,04
